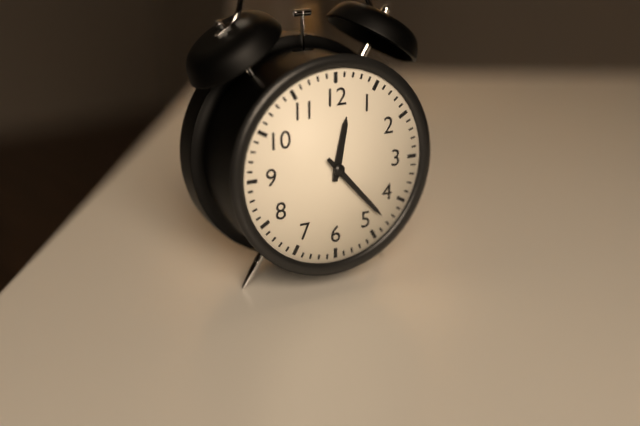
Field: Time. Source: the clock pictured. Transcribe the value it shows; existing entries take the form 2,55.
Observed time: 12,23
